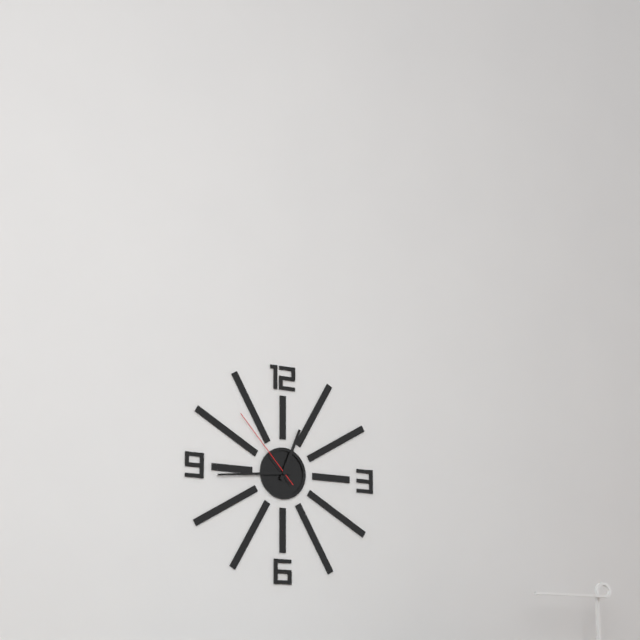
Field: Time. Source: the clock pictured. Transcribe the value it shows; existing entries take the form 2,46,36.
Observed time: 12,44,53
